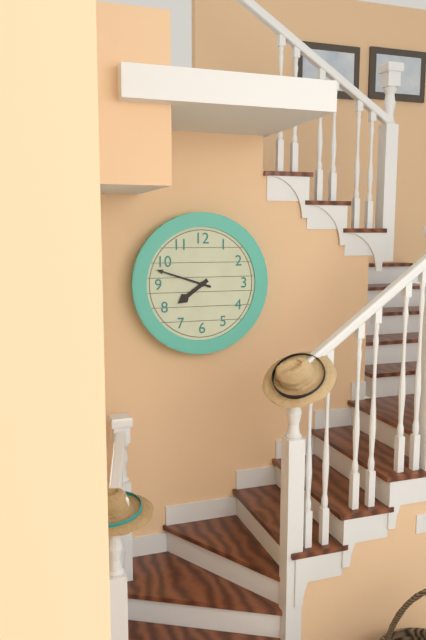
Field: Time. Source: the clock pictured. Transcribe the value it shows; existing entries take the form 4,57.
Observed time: 7,48
